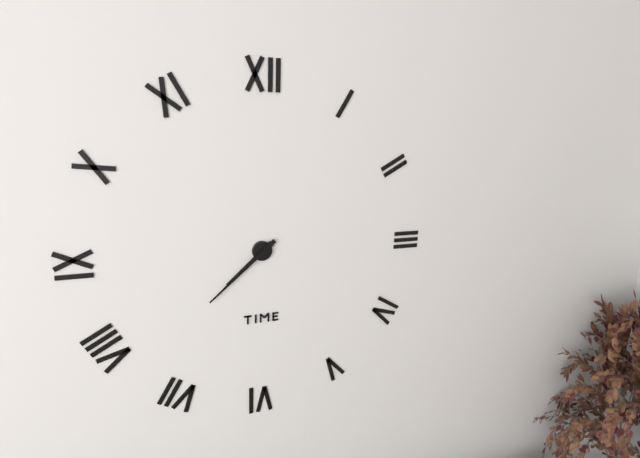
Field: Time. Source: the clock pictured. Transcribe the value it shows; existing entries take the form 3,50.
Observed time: 7,38
